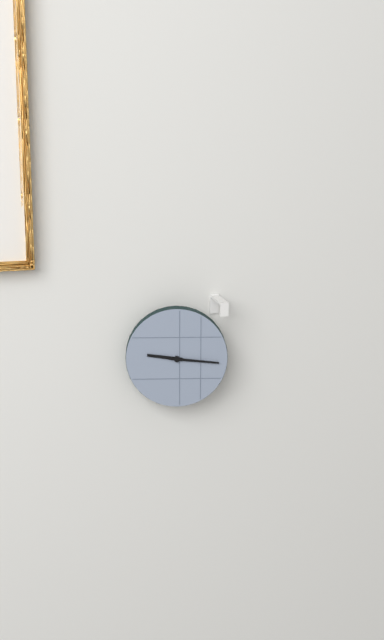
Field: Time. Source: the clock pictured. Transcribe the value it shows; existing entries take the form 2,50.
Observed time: 9,16
